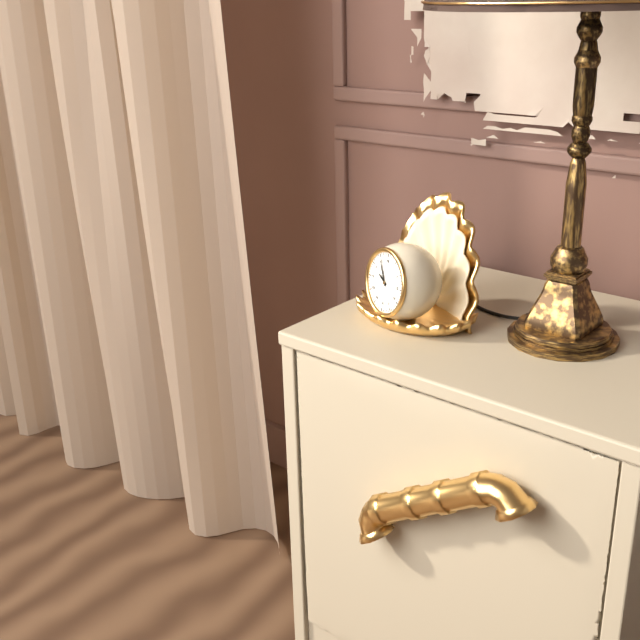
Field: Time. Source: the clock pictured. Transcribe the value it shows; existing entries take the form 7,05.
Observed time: 9,55
